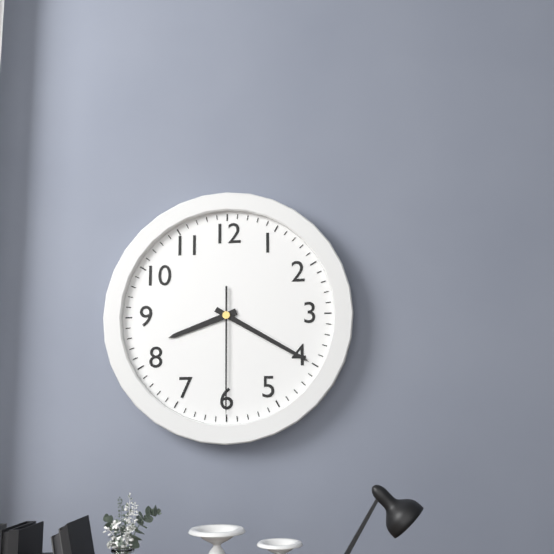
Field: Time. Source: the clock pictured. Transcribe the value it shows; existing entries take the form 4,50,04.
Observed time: 8,20,30
